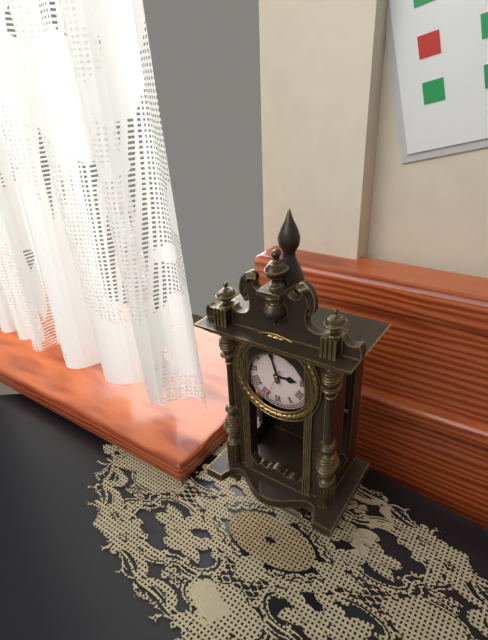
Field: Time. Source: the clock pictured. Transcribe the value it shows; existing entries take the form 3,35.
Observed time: 2,57
